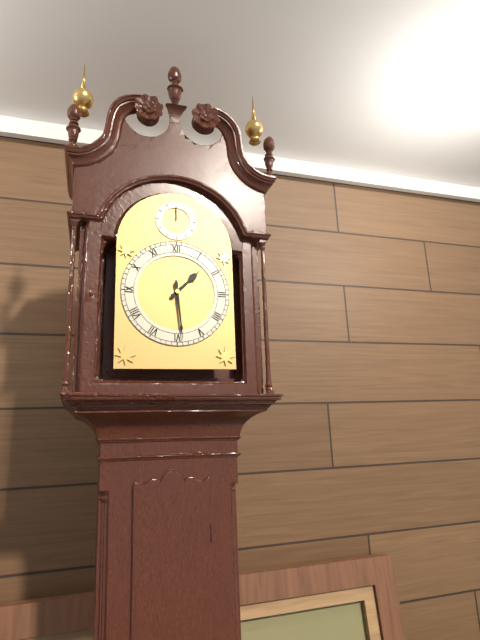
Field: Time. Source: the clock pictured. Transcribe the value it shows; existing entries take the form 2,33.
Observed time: 1,29
